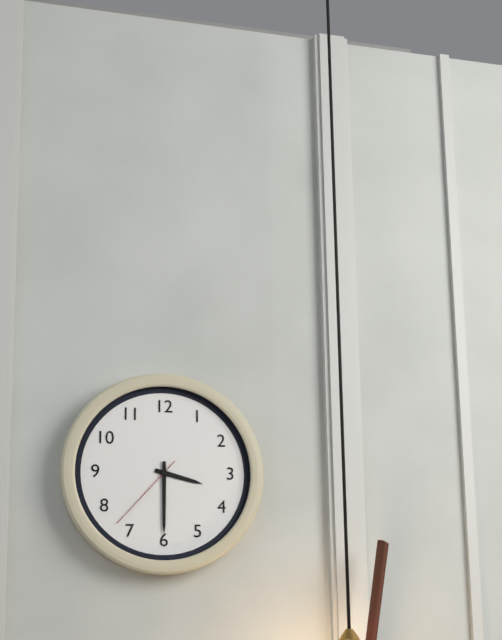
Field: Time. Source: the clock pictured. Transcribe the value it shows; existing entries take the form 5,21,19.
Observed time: 3,30,37
